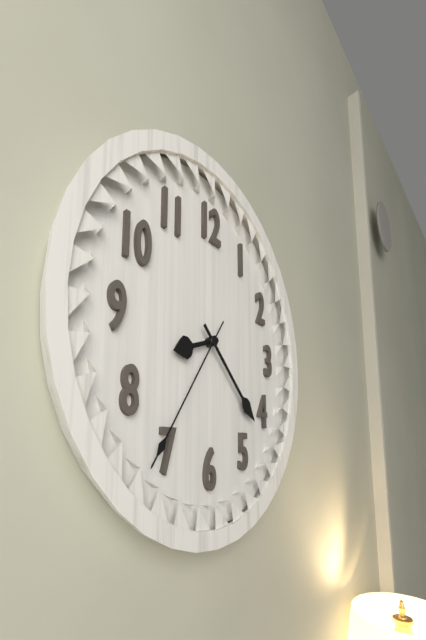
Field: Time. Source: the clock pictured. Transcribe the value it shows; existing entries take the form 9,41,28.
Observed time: 8,22,36
